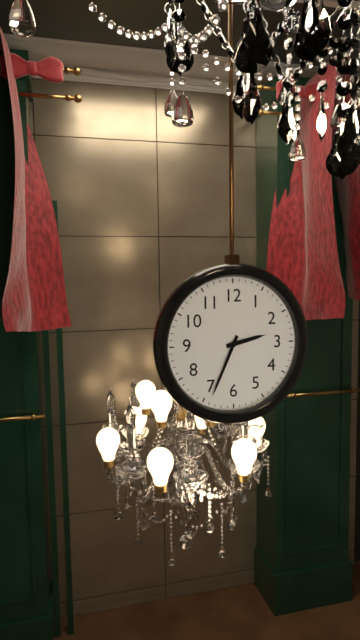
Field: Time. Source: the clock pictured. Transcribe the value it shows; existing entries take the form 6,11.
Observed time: 2,34
